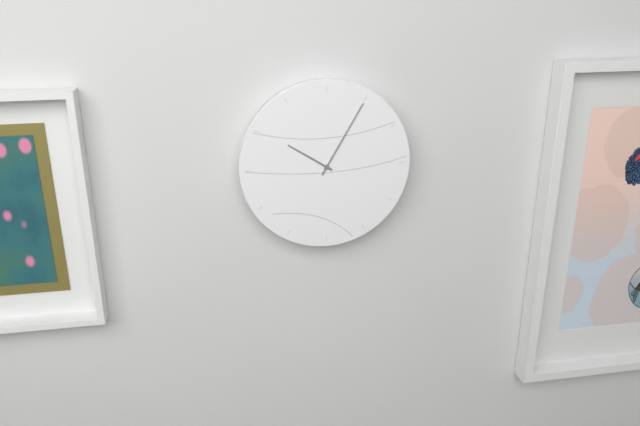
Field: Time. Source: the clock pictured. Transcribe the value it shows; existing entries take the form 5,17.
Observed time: 10,05
